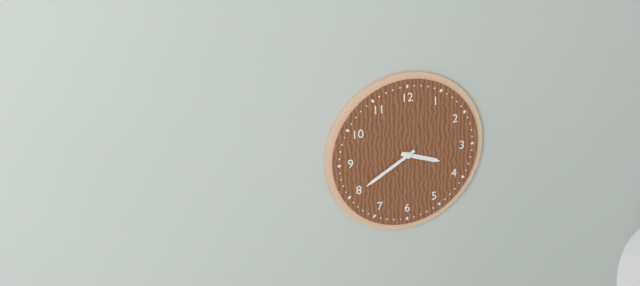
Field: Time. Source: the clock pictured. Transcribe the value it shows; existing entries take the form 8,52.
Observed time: 3,40
